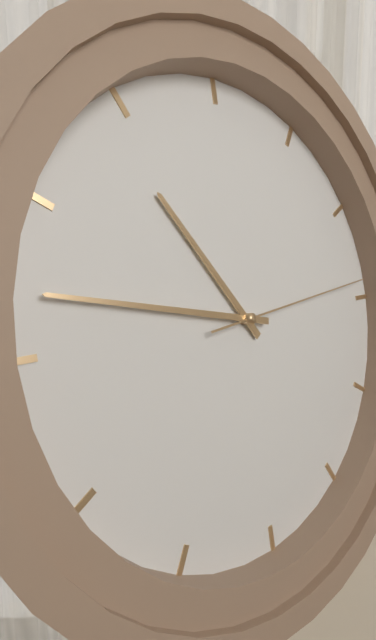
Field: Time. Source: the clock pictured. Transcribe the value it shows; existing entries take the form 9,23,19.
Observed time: 10,47,14
